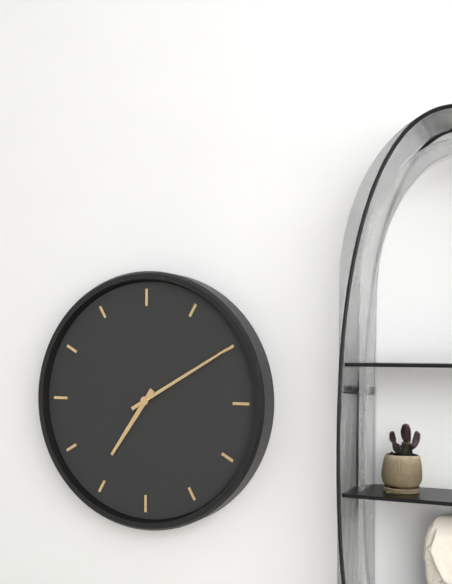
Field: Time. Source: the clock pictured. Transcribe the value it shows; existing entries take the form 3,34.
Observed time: 7,10
